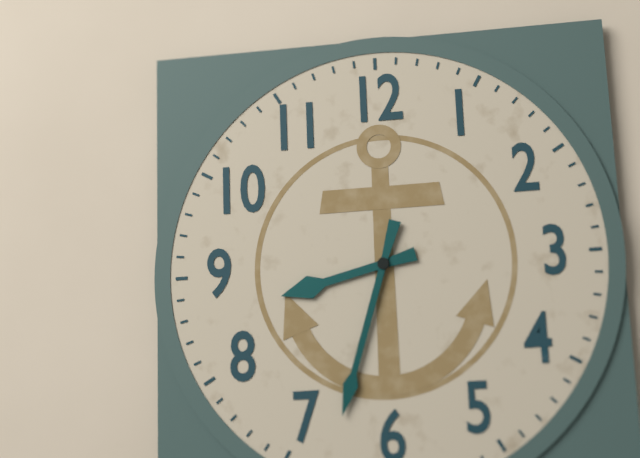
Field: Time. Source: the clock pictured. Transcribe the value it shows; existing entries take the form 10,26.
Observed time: 8,33
